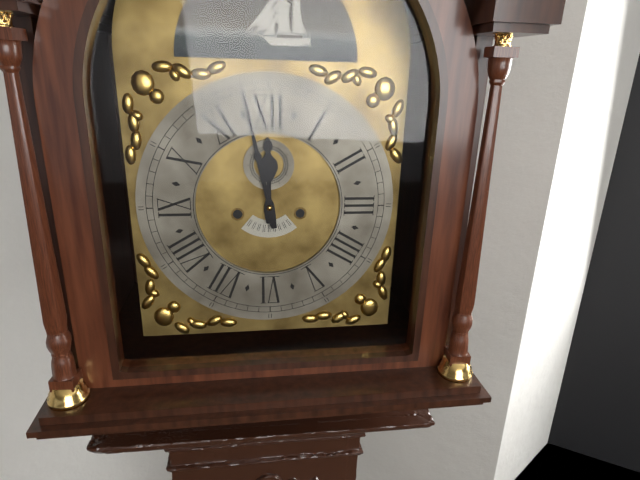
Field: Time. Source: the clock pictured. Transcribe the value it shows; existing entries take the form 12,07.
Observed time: 11,58
